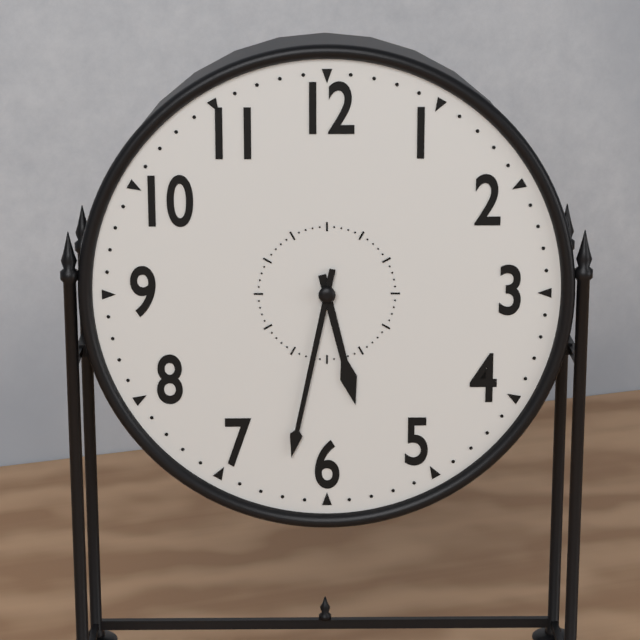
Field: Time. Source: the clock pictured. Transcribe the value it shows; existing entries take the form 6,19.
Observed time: 5,32
